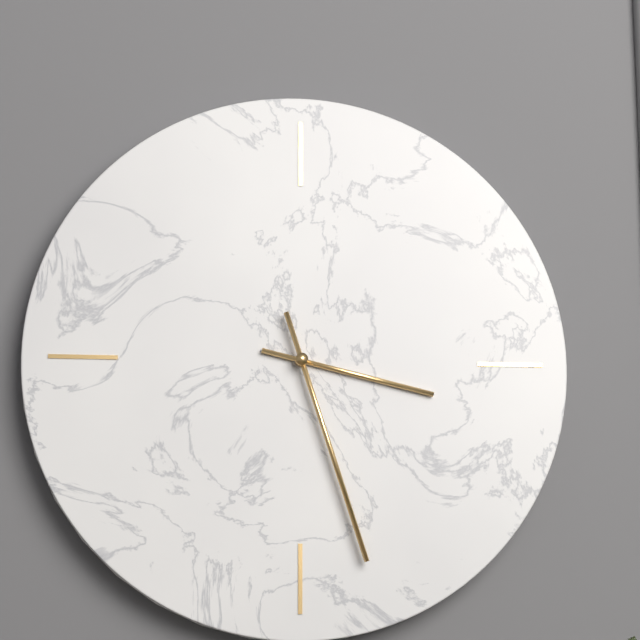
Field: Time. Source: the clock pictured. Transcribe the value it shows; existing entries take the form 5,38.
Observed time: 3,27
